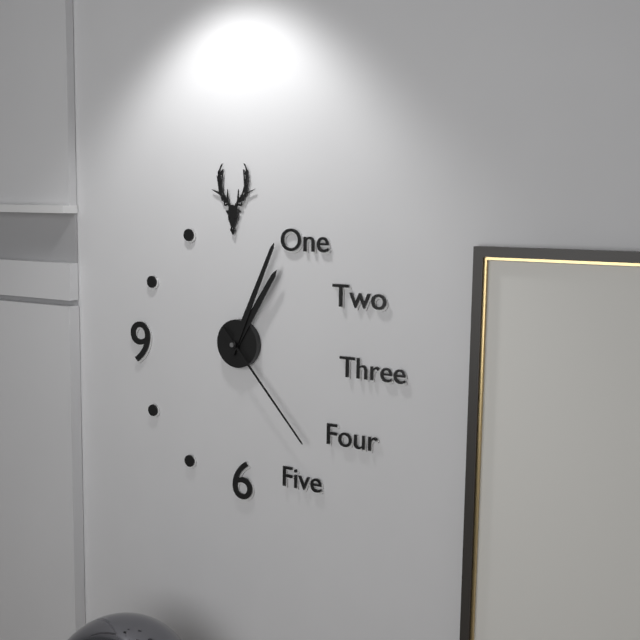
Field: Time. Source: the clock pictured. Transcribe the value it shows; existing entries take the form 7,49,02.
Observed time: 1,04,23
